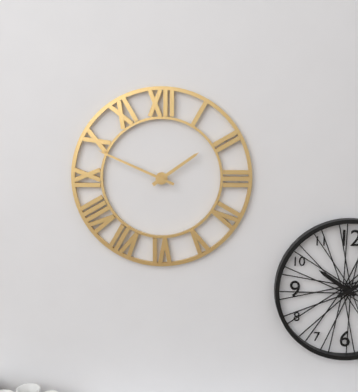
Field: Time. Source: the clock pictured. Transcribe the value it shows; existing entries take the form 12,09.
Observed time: 1,49
